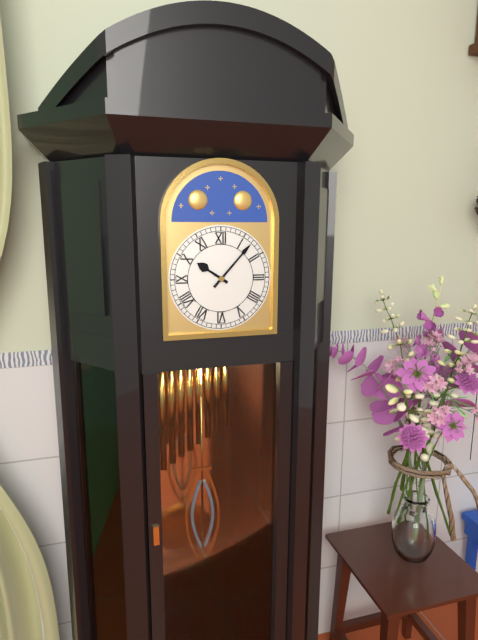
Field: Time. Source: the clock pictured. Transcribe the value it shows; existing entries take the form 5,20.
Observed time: 10,07
